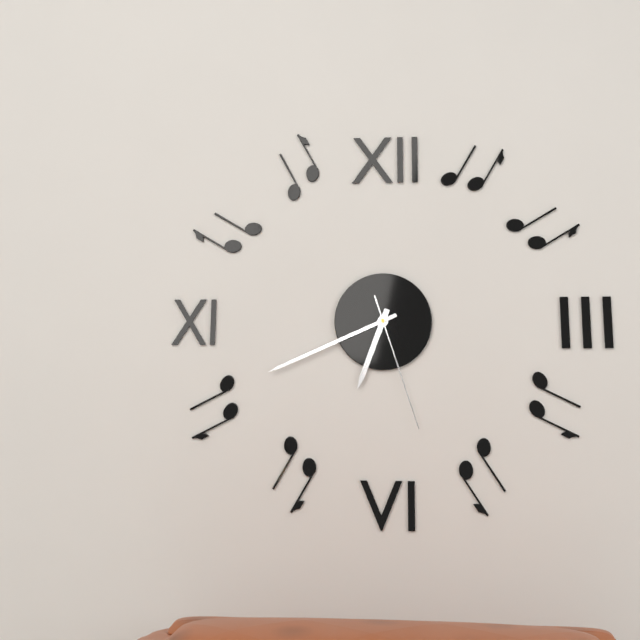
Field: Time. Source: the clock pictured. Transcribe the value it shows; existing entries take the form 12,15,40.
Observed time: 6,41,27
